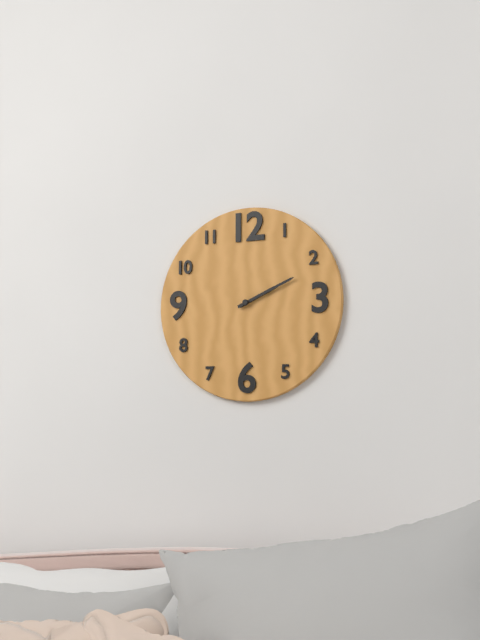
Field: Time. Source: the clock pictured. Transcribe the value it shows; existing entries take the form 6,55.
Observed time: 2,11
